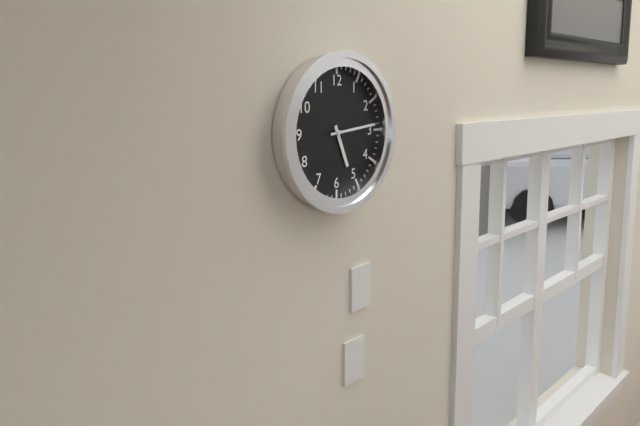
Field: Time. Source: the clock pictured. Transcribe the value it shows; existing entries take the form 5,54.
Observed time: 5,14
